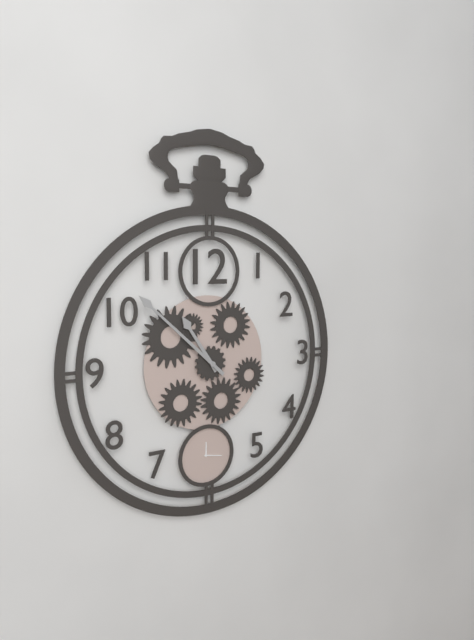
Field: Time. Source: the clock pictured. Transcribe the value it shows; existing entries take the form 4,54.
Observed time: 10,52
